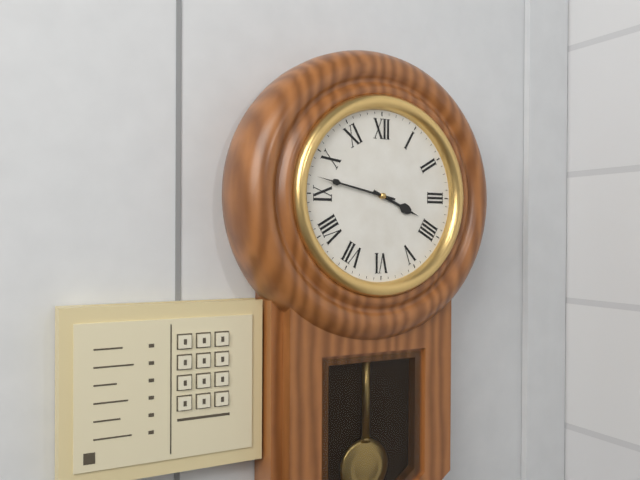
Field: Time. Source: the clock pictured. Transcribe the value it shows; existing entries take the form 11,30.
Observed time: 3,47
